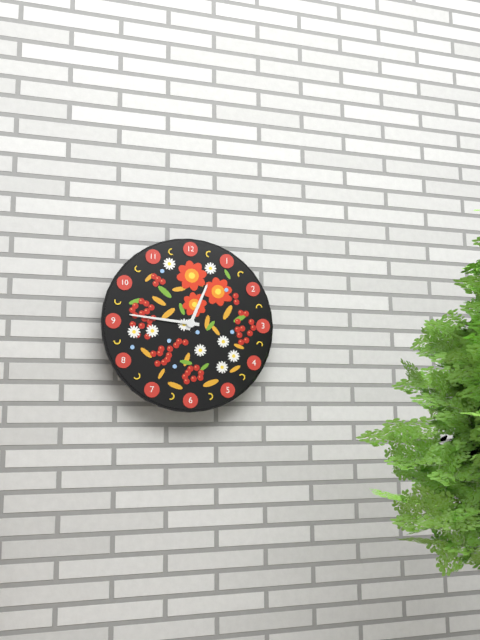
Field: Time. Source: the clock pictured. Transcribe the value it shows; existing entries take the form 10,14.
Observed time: 12,46
